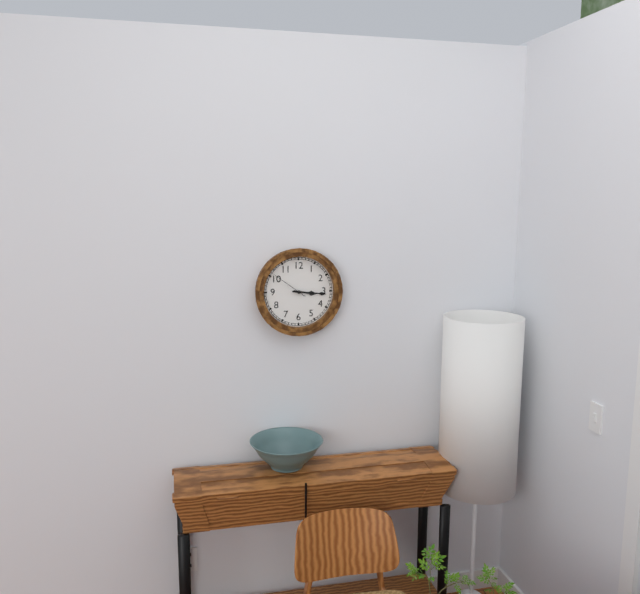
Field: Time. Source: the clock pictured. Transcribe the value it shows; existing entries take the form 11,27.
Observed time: 3,16
